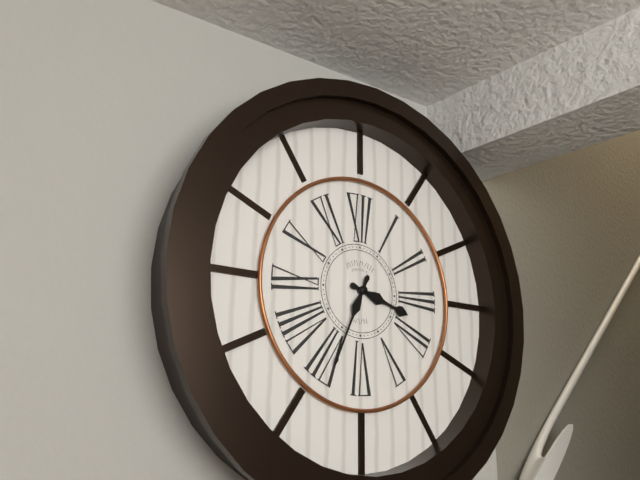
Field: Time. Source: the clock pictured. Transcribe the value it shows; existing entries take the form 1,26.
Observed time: 3,34
